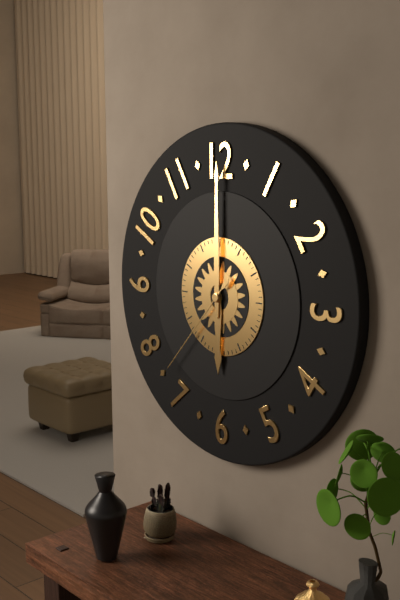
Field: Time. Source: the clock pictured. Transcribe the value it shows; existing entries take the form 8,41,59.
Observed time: 6,00,37
